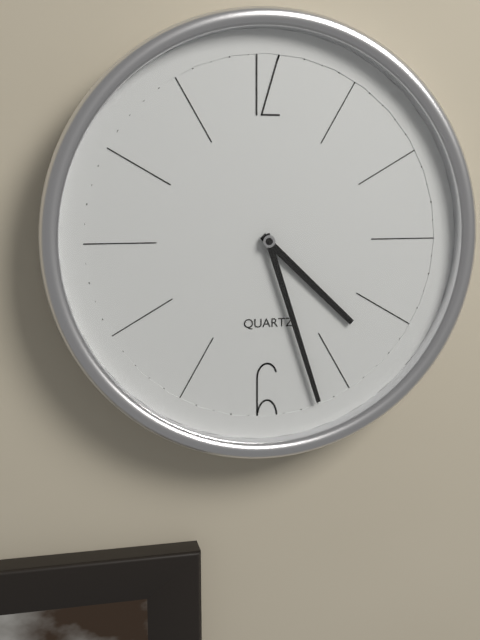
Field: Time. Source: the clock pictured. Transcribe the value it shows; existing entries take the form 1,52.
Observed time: 4,27
